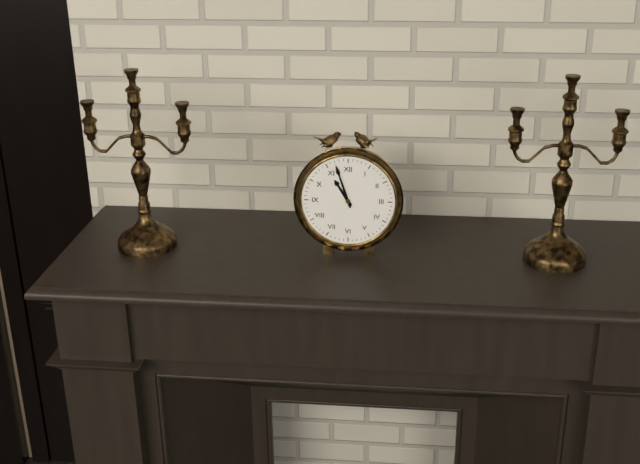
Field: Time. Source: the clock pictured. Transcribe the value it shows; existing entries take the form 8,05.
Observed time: 10,57
